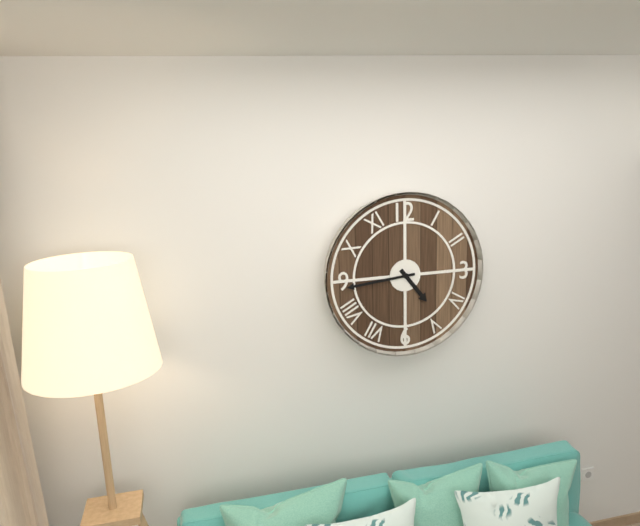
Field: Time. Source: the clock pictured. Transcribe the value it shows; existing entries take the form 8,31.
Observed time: 4,44
